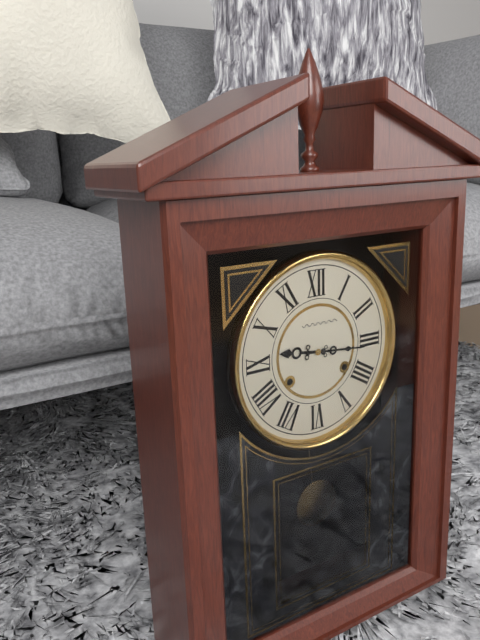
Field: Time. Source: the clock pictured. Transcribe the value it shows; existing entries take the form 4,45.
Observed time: 9,16
